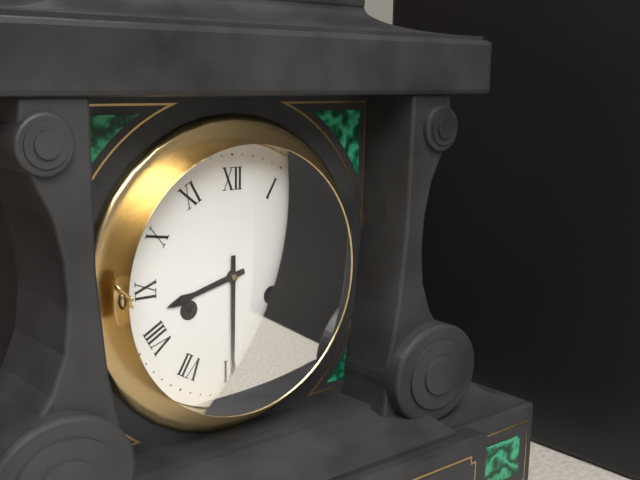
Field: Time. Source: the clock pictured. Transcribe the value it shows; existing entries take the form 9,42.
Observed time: 8,30
